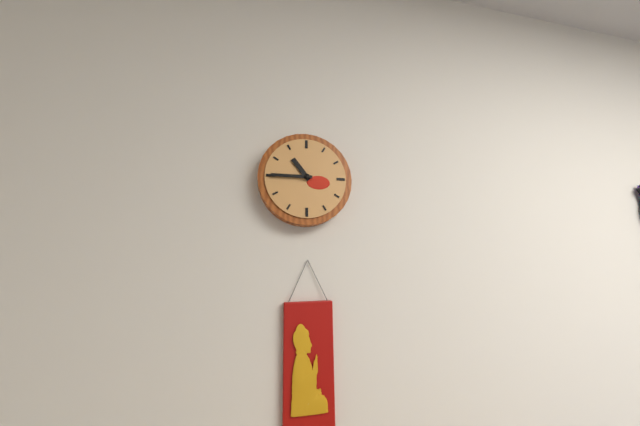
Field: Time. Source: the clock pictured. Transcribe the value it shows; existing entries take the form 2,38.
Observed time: 10,45
